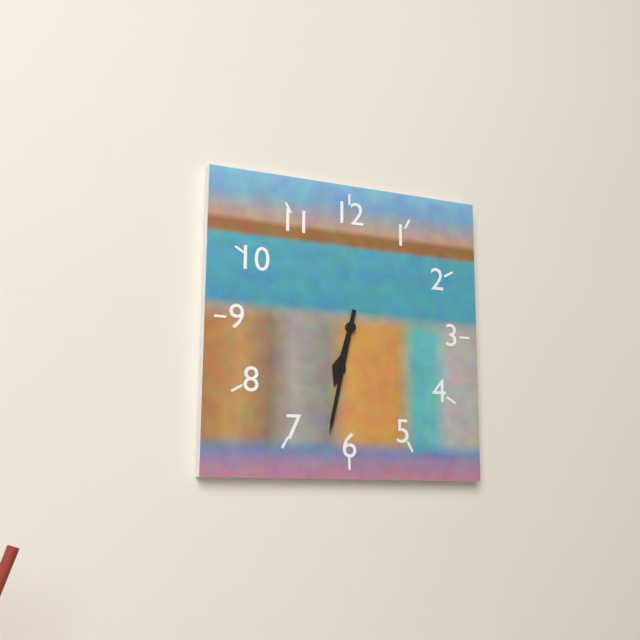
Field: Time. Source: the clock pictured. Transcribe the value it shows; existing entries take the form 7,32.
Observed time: 6,32
